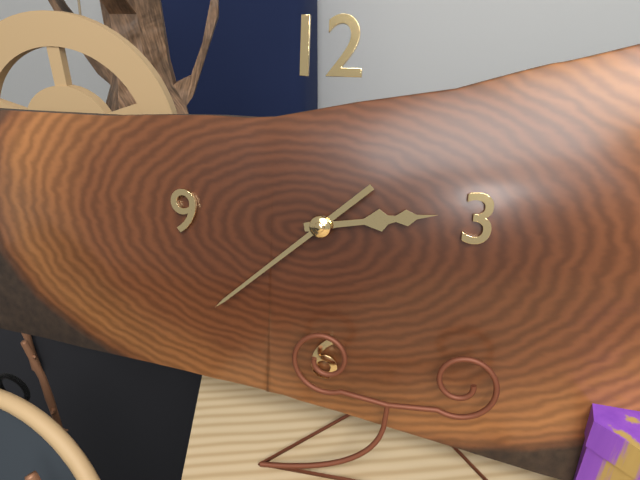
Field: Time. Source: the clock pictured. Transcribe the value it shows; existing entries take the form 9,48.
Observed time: 2,38
